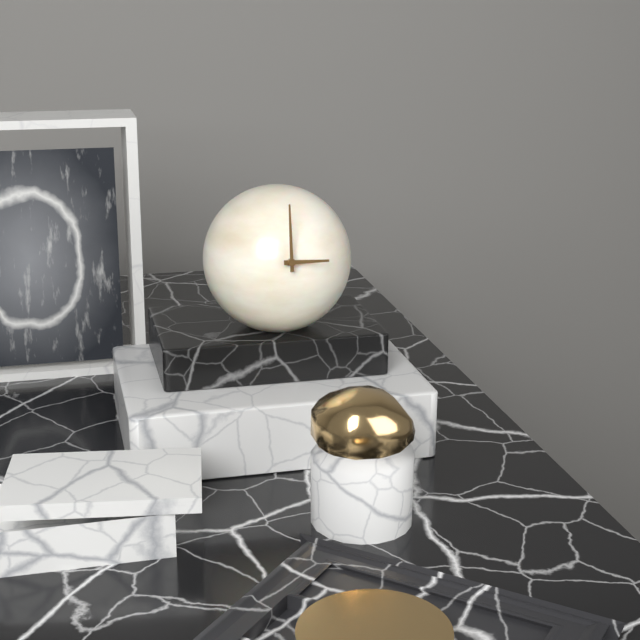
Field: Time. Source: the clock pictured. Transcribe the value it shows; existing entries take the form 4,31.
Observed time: 3,00
